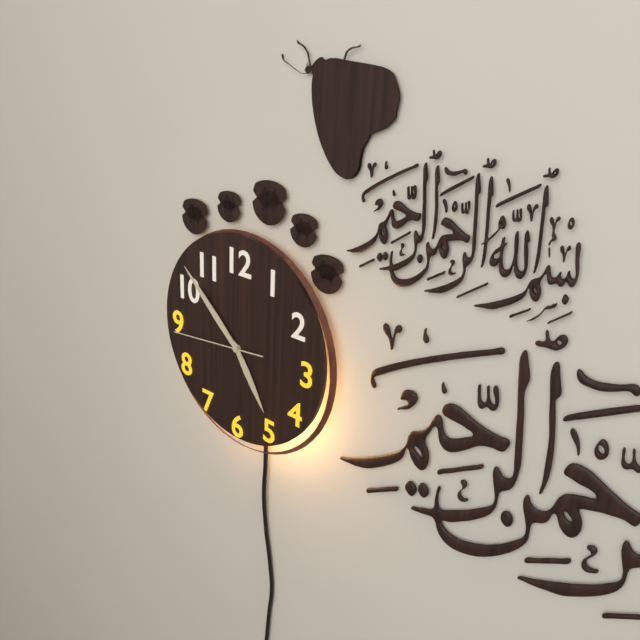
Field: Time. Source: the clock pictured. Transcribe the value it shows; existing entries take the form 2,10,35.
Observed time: 4,52,44
